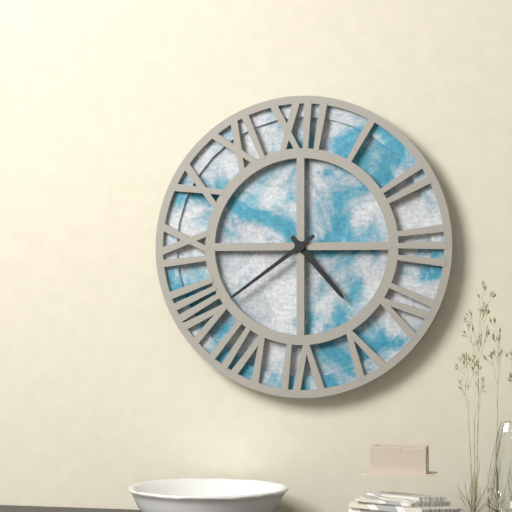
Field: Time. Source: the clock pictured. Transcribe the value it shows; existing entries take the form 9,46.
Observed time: 4,39
